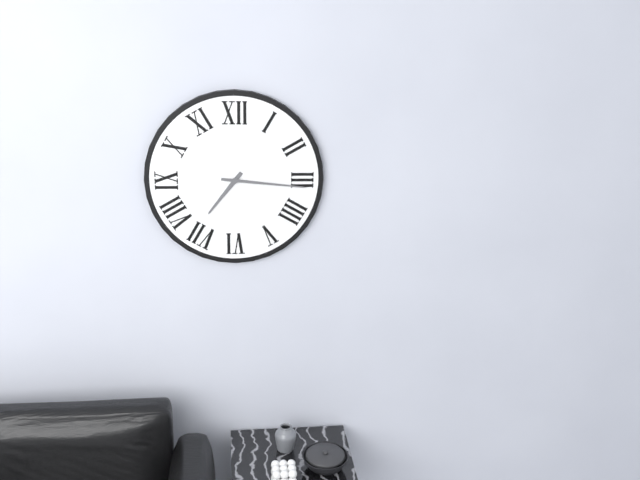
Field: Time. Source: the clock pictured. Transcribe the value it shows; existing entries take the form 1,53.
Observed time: 7,16
